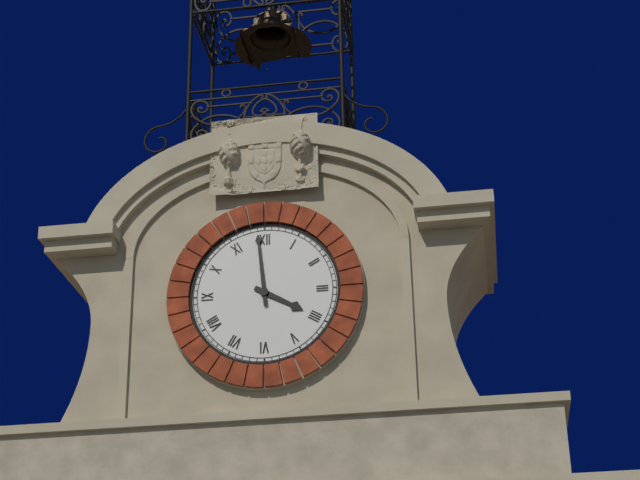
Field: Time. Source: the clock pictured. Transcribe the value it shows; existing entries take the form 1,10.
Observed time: 3,59
